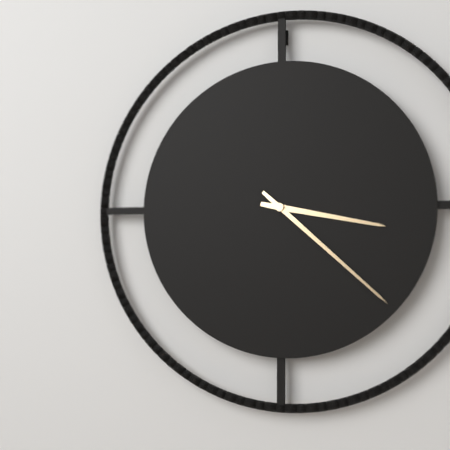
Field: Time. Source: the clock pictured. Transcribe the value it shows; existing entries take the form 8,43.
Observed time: 3,22
